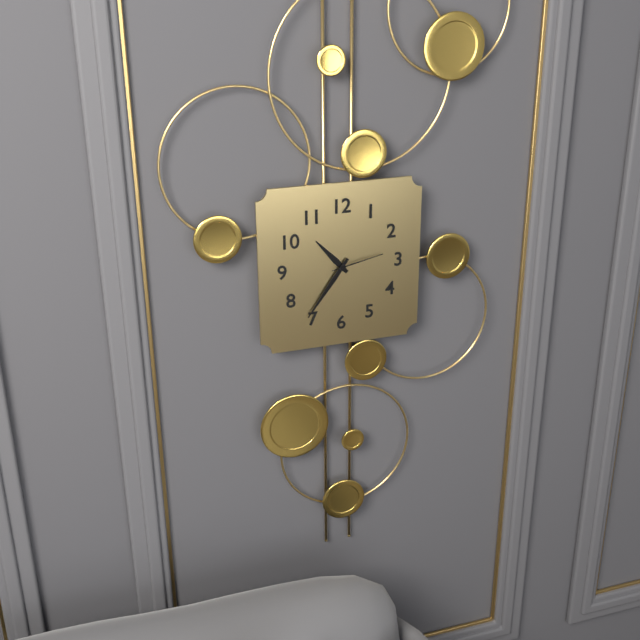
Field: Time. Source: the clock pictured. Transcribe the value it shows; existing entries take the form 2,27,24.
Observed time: 10,36,13
